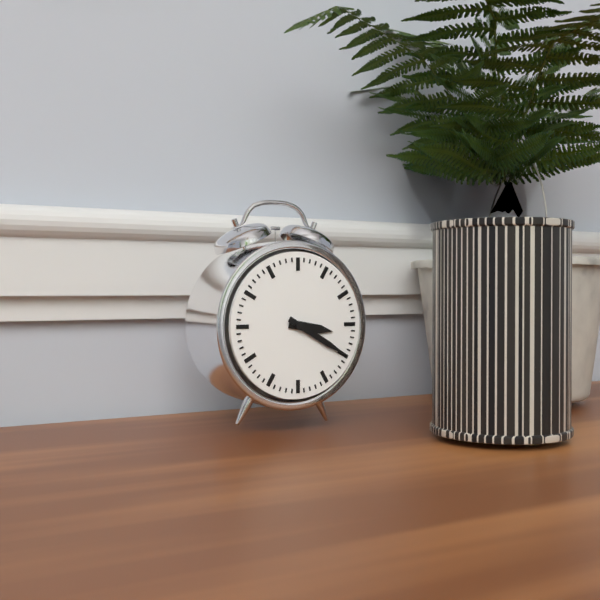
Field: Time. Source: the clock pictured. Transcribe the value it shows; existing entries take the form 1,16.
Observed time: 3,20
